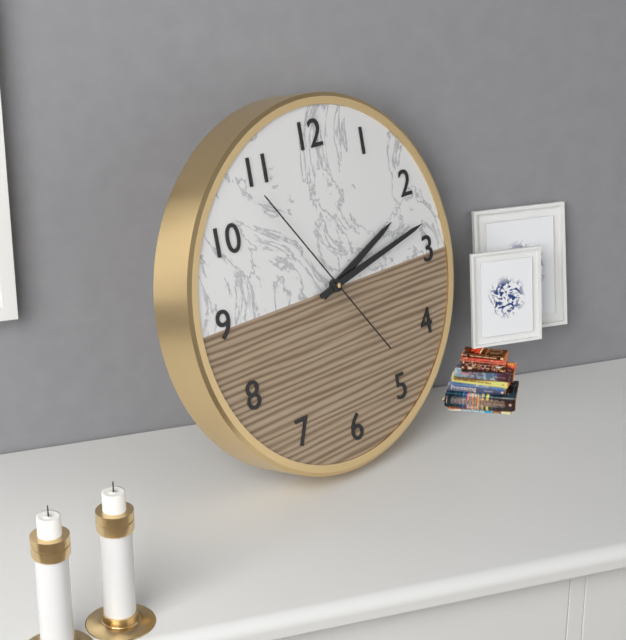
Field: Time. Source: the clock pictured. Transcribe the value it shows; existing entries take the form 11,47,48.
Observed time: 2,13,54
